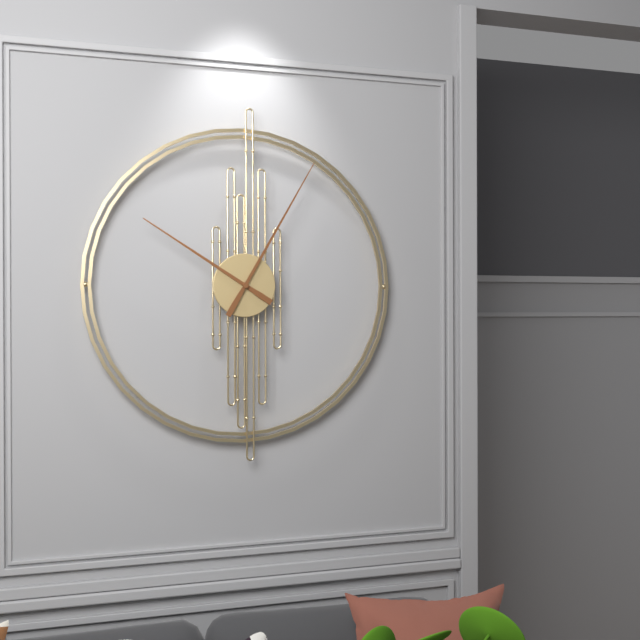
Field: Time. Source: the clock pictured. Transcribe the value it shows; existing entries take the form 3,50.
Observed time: 10,05
